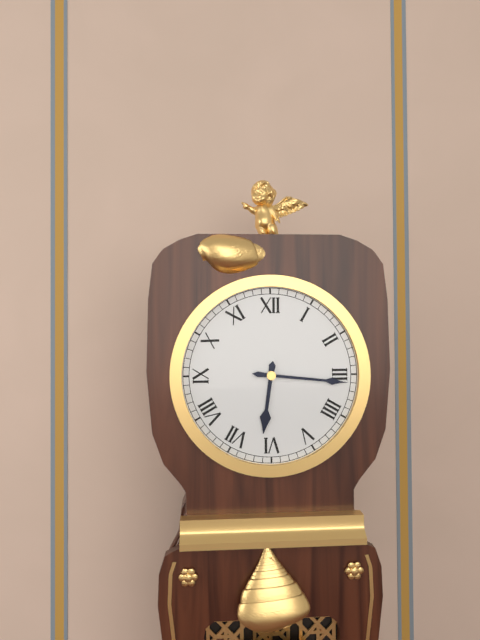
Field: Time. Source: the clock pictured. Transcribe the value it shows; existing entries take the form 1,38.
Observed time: 6,16
